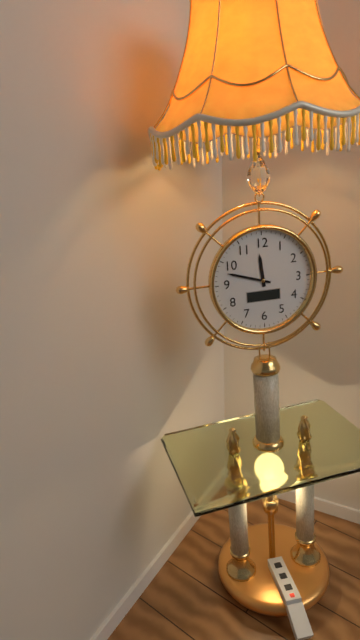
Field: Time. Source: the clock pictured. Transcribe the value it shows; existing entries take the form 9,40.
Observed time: 11,48
